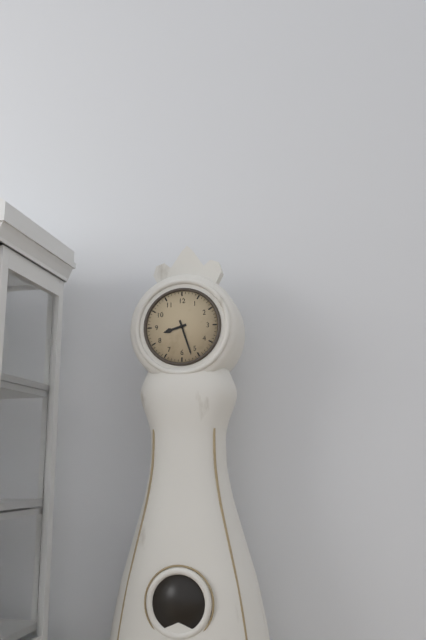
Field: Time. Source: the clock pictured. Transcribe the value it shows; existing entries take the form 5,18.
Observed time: 8,27
